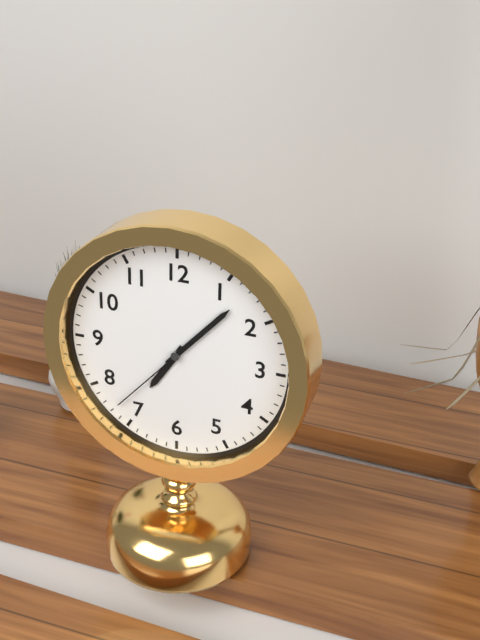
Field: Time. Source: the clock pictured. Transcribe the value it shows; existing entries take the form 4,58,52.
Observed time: 7,07,37
